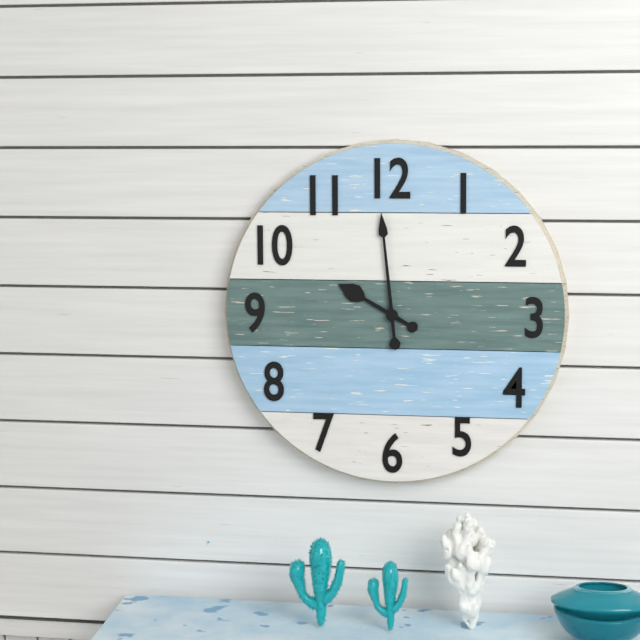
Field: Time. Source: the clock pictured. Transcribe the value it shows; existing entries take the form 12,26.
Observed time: 9,59
